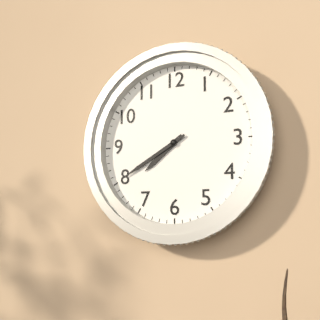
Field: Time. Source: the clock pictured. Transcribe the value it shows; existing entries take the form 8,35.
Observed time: 7,40
